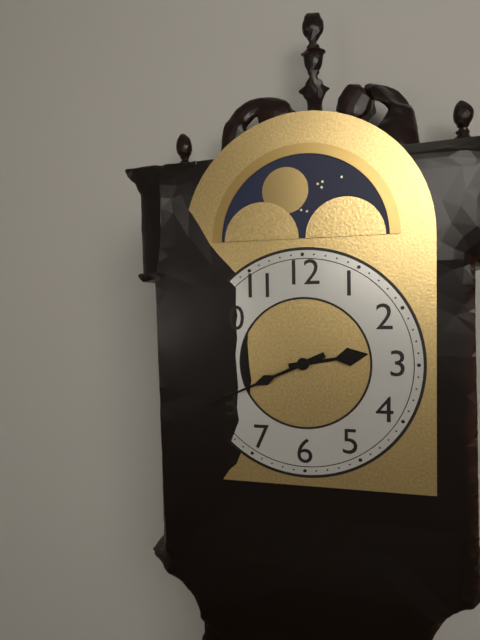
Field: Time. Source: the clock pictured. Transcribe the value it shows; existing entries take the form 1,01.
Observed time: 2,41
